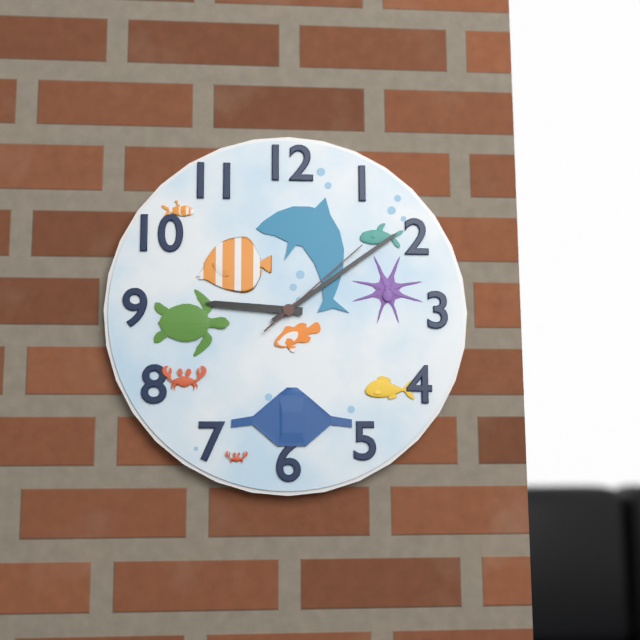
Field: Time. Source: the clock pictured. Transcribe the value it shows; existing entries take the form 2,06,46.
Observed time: 9,09,08
